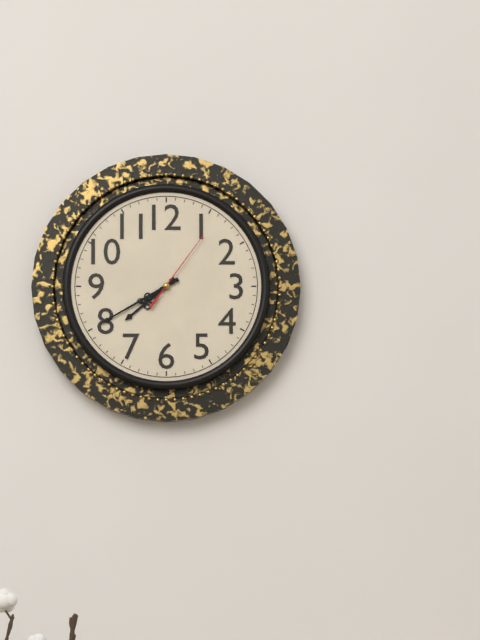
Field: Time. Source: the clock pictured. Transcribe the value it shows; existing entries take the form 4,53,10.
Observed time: 7,40,06
